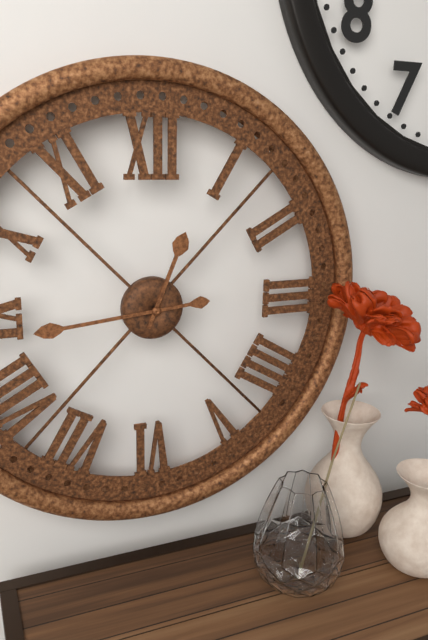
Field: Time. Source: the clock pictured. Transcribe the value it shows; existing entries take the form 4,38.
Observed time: 12,44
